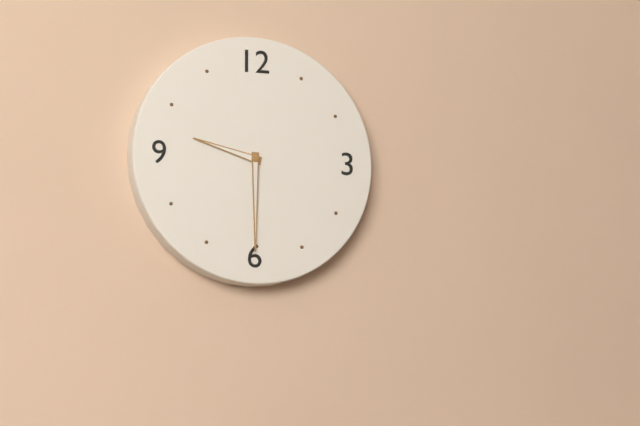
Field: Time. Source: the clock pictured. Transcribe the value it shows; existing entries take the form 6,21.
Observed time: 9,30
